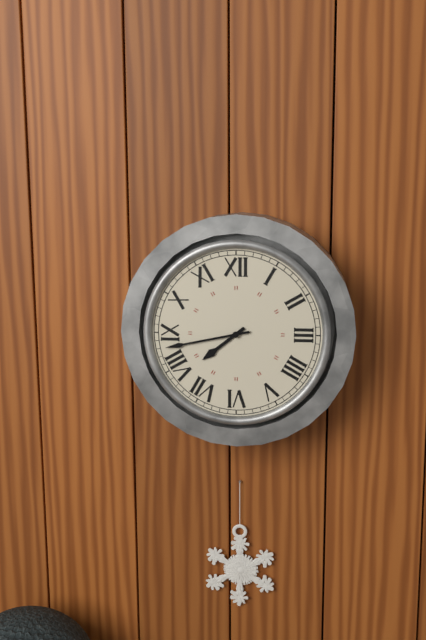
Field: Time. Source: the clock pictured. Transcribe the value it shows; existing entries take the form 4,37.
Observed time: 7,43
